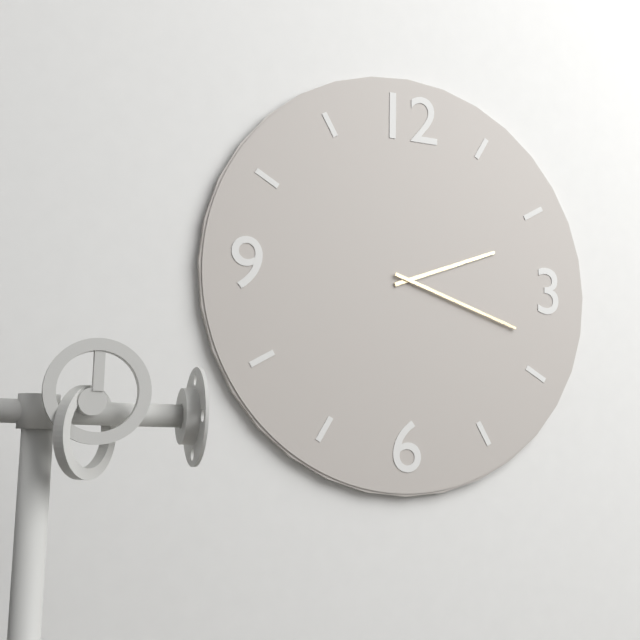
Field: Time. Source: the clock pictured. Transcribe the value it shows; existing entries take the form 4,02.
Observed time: 2,18
